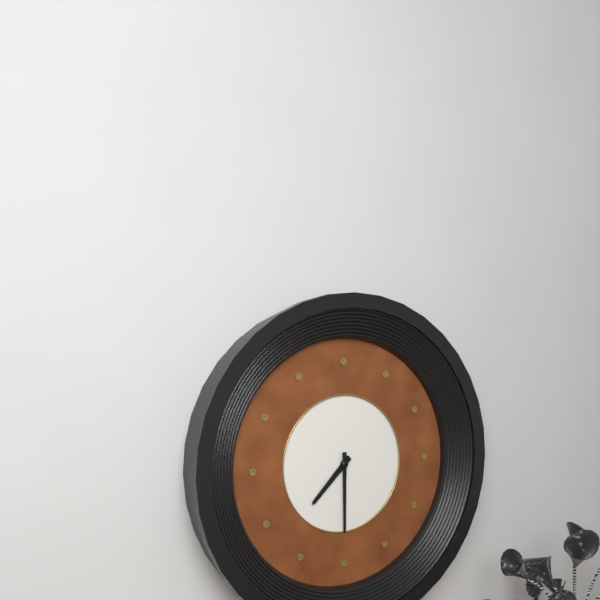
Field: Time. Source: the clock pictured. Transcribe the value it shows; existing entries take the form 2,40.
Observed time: 7,30
